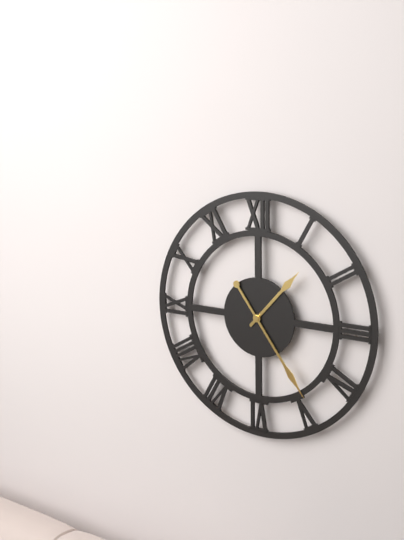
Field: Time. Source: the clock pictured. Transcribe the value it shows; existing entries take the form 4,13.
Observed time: 1,24
